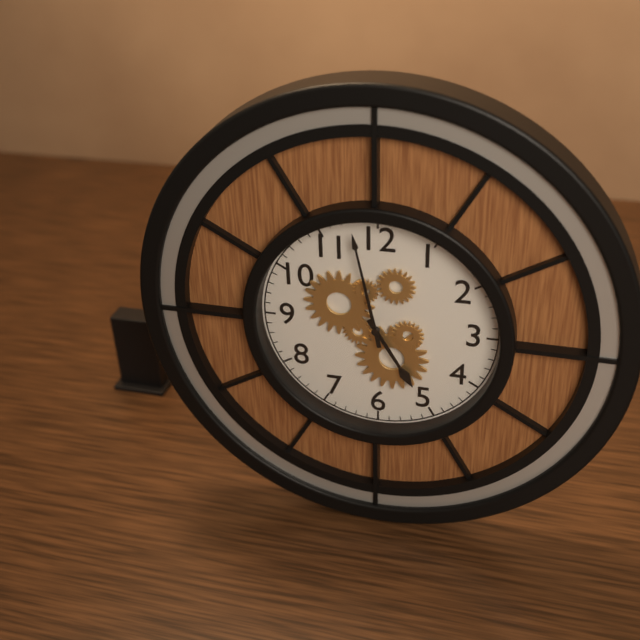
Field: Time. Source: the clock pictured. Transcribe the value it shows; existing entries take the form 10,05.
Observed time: 4,58
